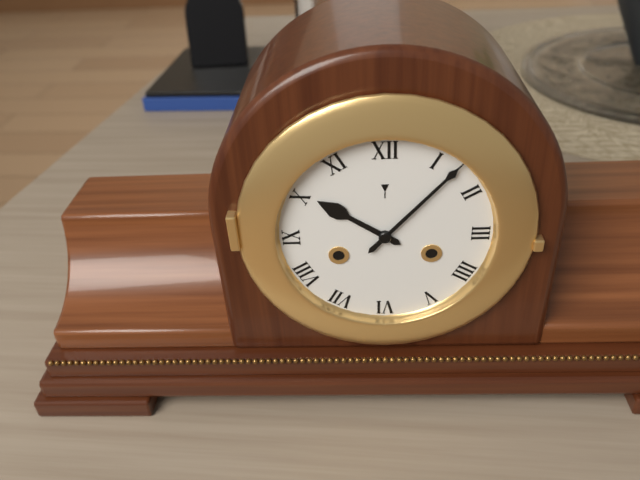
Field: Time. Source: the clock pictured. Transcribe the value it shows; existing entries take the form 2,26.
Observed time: 10,07
